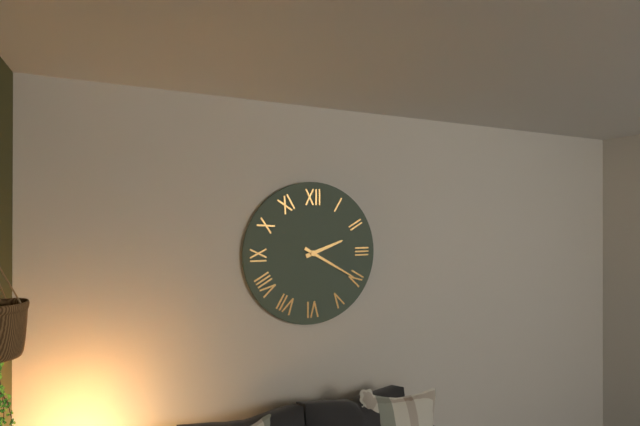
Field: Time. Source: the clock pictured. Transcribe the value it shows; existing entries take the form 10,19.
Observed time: 2,20
